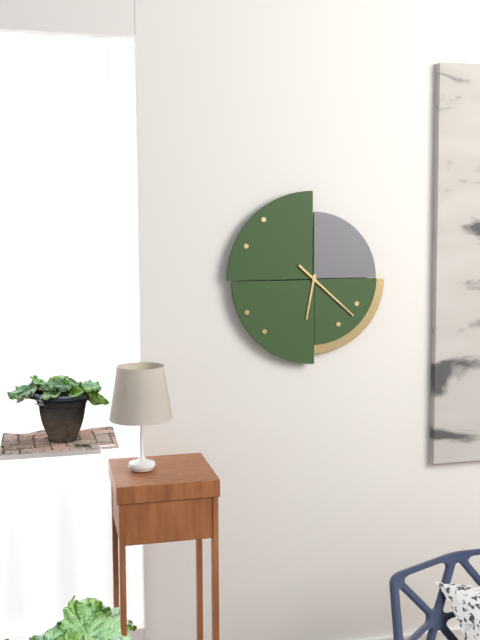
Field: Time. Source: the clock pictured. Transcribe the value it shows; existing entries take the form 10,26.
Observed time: 6,22
